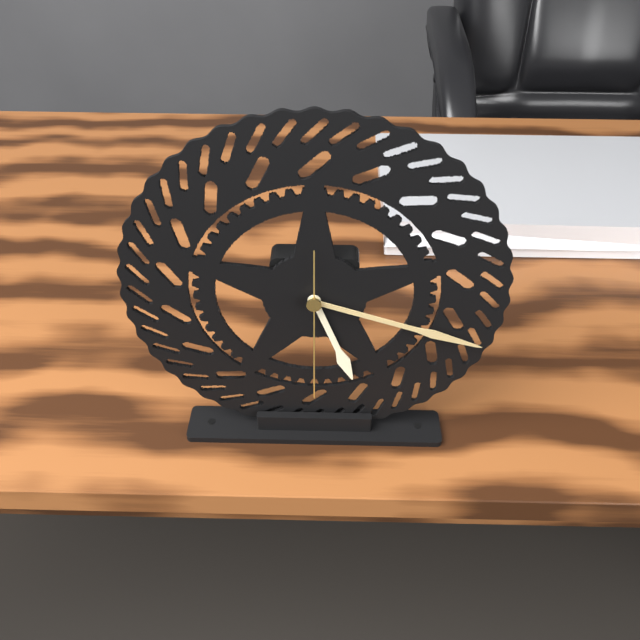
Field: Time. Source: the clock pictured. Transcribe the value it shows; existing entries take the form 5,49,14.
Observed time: 5,18,30
